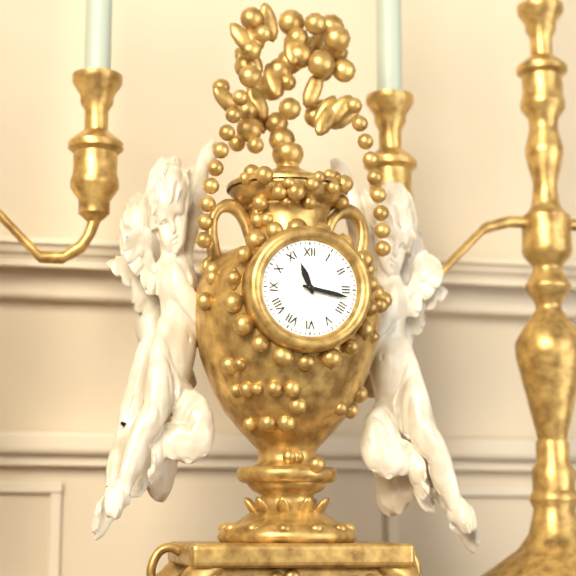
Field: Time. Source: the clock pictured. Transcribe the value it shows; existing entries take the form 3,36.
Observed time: 11,17
